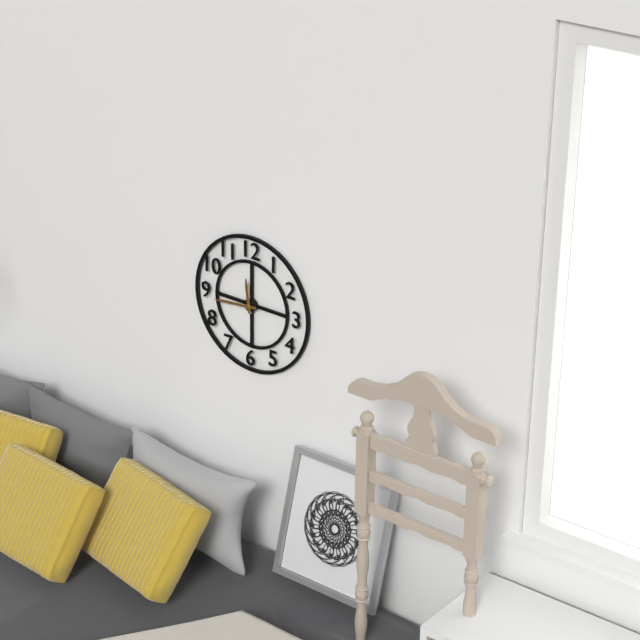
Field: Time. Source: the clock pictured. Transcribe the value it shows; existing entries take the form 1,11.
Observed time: 11,44
